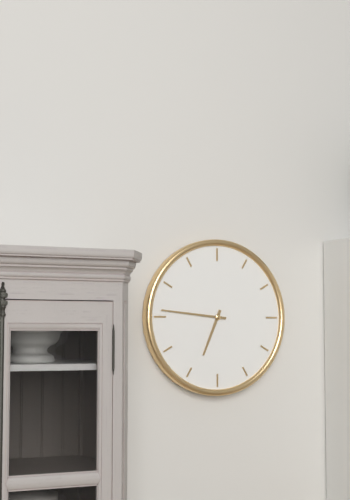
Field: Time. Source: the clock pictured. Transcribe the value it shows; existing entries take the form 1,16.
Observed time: 6,46
